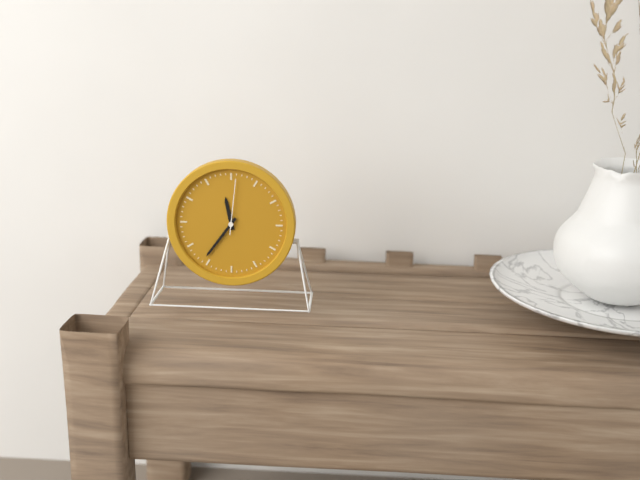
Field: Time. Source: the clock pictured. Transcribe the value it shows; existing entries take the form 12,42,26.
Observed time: 11,36,01
